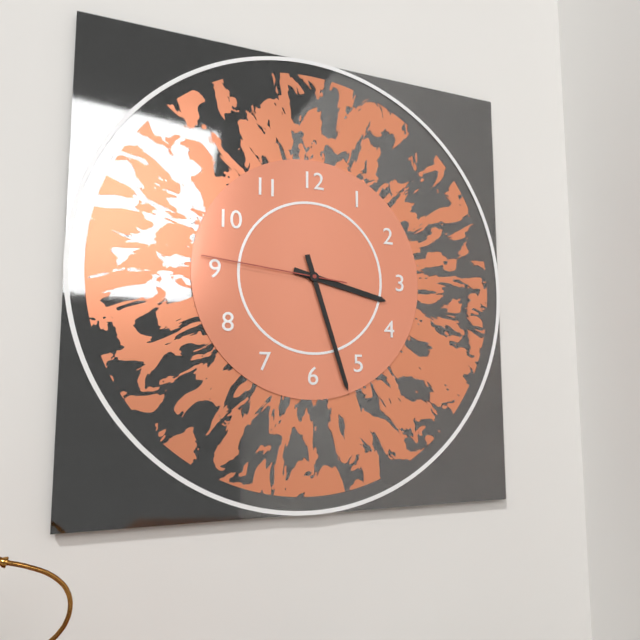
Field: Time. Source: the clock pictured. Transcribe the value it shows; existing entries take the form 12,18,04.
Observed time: 3,27,46
